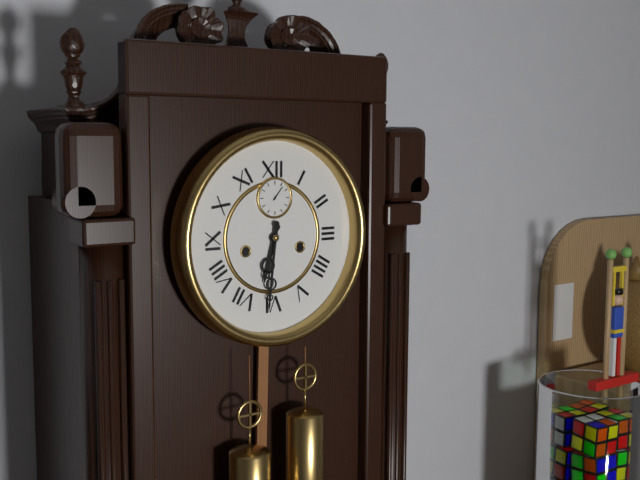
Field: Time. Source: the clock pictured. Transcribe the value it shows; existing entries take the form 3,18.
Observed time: 6,31
